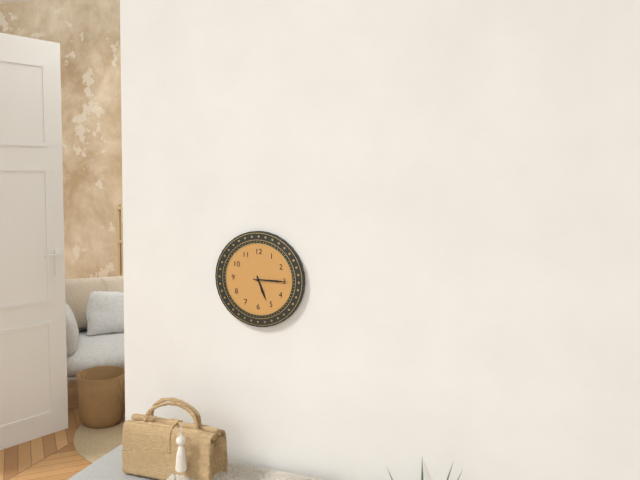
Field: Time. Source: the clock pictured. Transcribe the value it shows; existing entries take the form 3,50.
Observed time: 5,15
